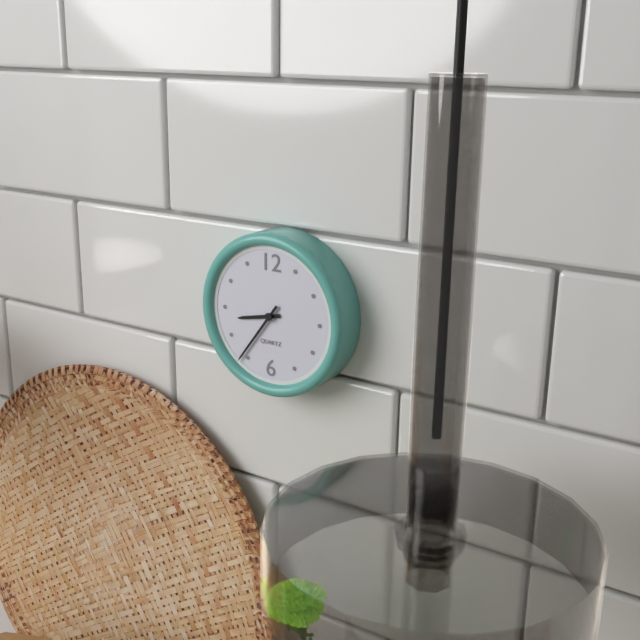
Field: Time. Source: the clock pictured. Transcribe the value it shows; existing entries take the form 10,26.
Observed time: 8,36
